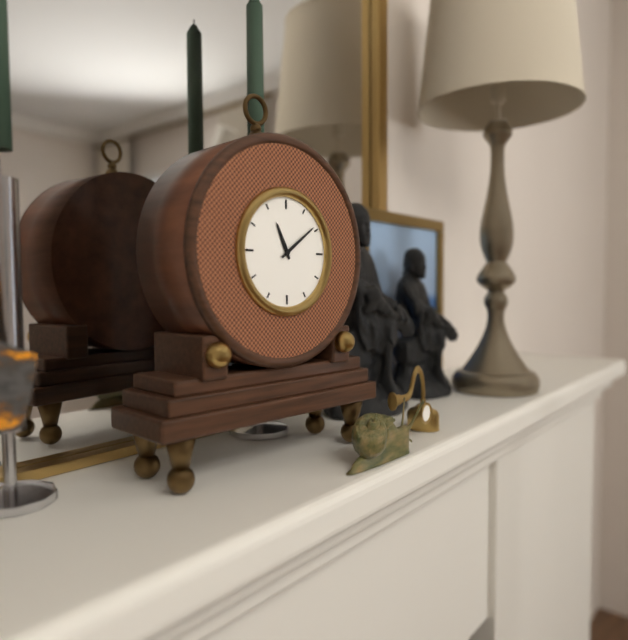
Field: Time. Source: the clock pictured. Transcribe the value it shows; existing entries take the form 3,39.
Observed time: 11,09
